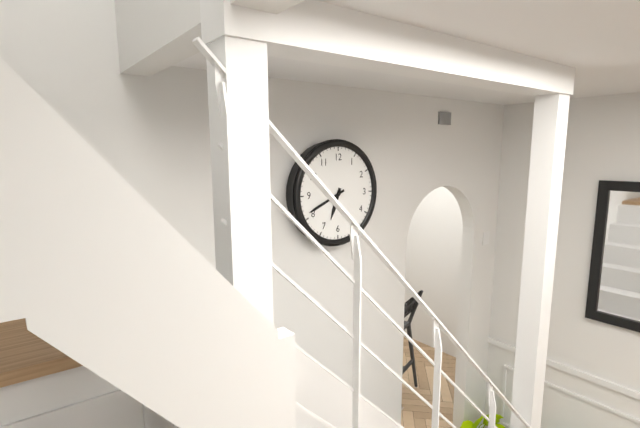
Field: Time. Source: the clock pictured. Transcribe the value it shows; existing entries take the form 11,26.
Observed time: 6,41
